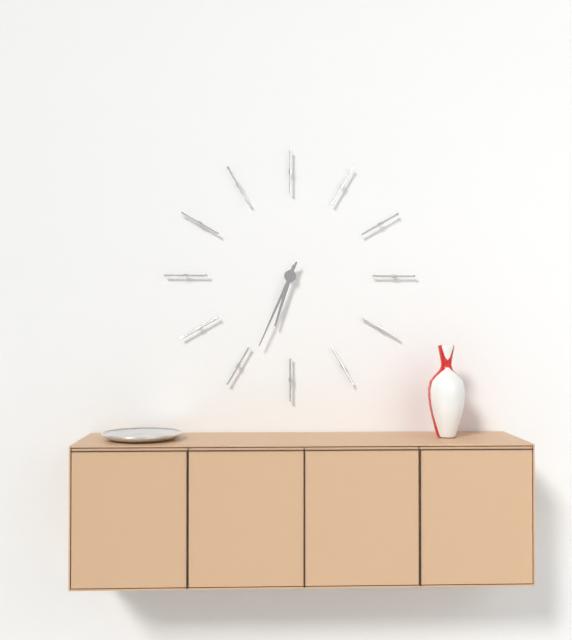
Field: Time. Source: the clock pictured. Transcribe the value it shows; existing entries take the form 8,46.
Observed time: 6,34
